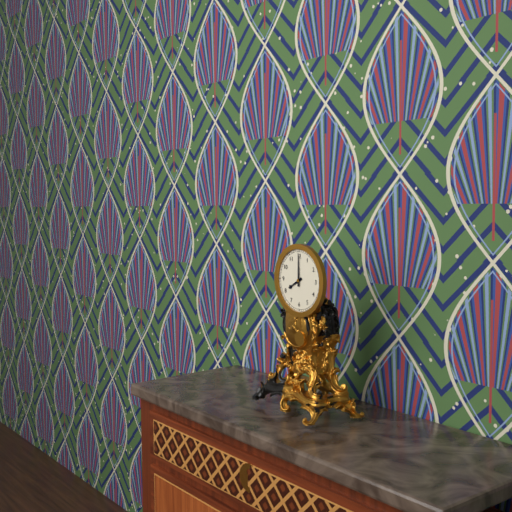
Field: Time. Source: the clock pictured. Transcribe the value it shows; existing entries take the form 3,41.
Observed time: 8,00
